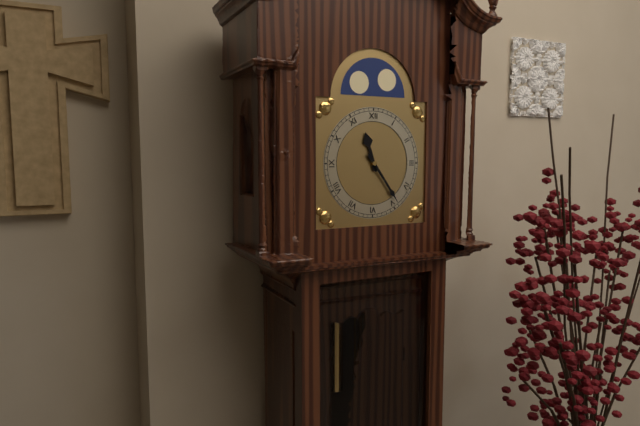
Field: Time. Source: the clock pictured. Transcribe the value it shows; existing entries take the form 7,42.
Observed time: 11,24
